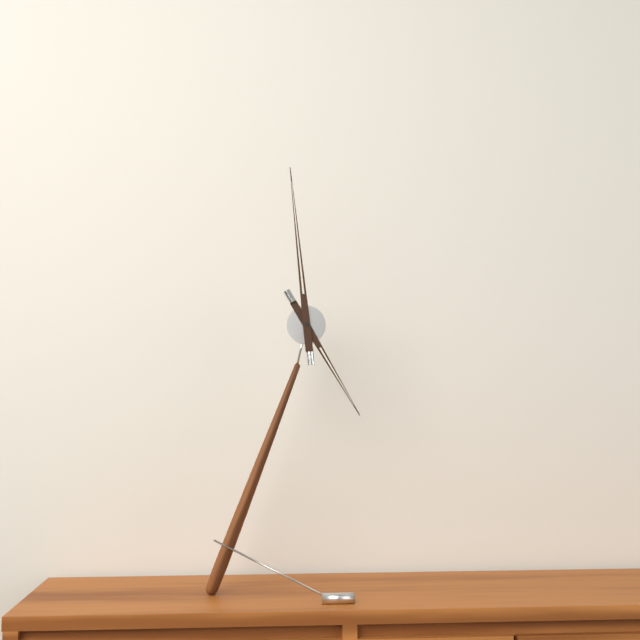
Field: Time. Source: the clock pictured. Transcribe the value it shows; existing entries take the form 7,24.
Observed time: 4,59
